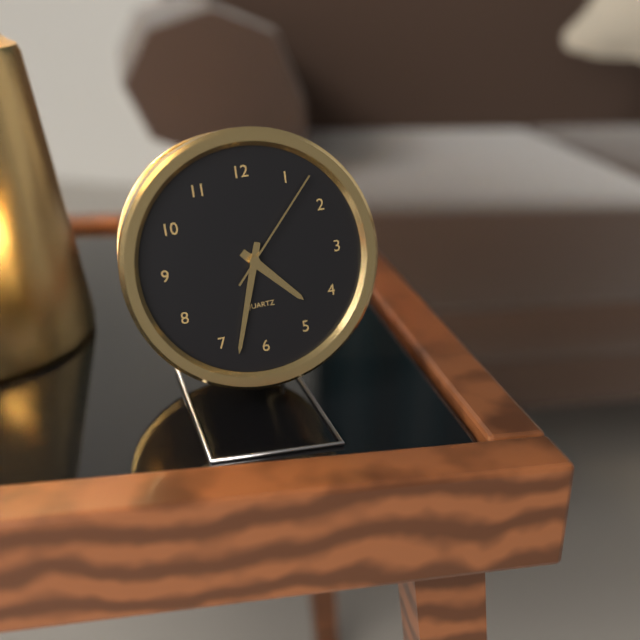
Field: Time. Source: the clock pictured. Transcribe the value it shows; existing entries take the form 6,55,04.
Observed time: 4,33,07
